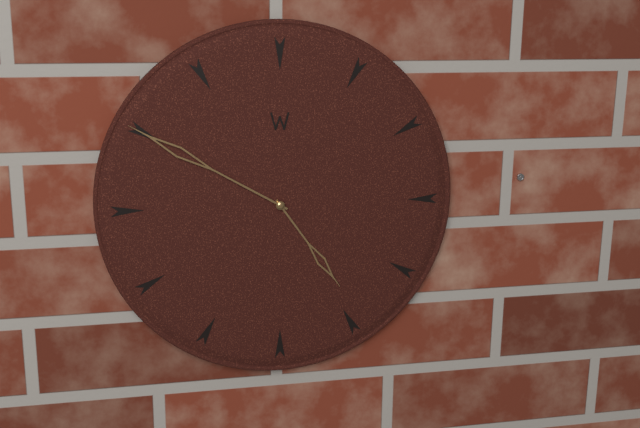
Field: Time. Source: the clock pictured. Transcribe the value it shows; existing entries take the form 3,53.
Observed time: 4,50
